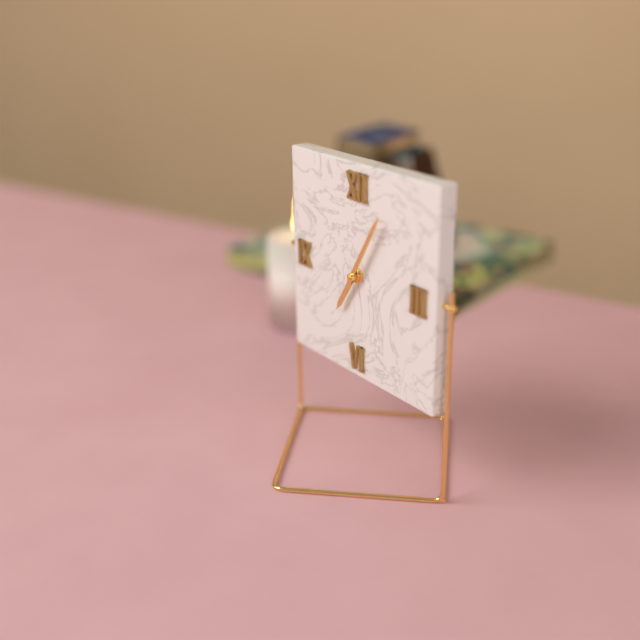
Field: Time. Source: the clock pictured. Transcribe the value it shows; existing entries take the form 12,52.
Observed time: 7,05
